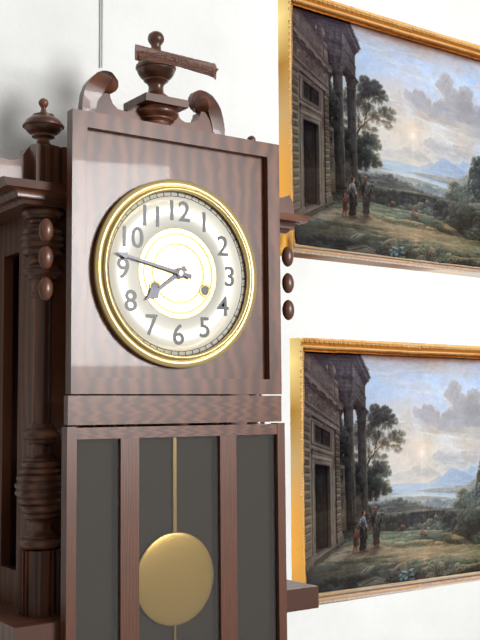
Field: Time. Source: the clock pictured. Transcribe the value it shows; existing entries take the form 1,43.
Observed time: 7,47
